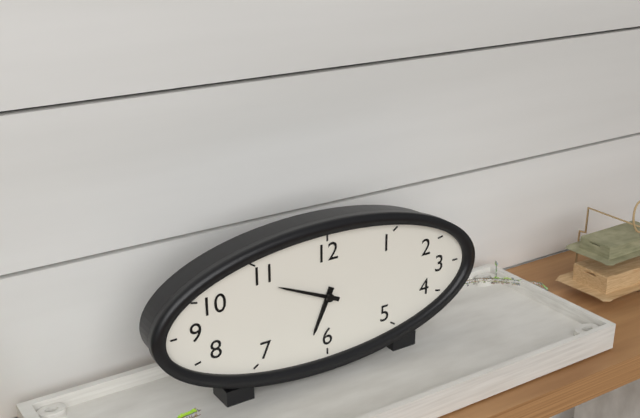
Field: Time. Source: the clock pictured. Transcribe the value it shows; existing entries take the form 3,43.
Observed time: 6,49
